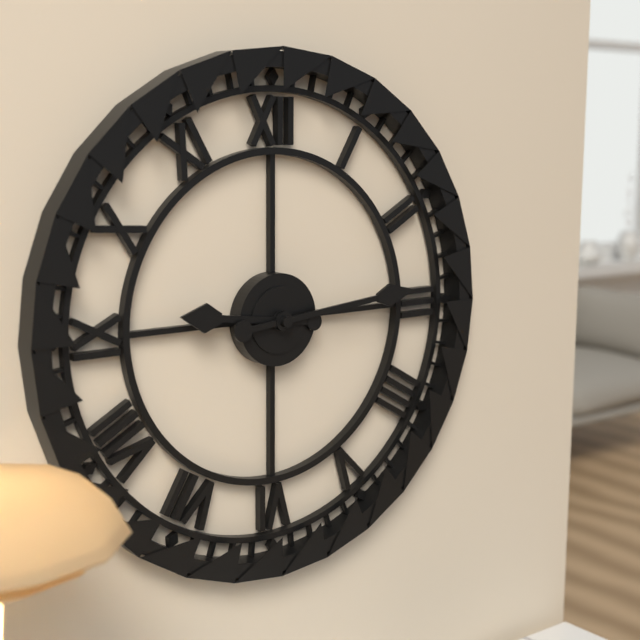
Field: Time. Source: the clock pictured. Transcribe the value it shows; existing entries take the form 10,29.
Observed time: 9,14
